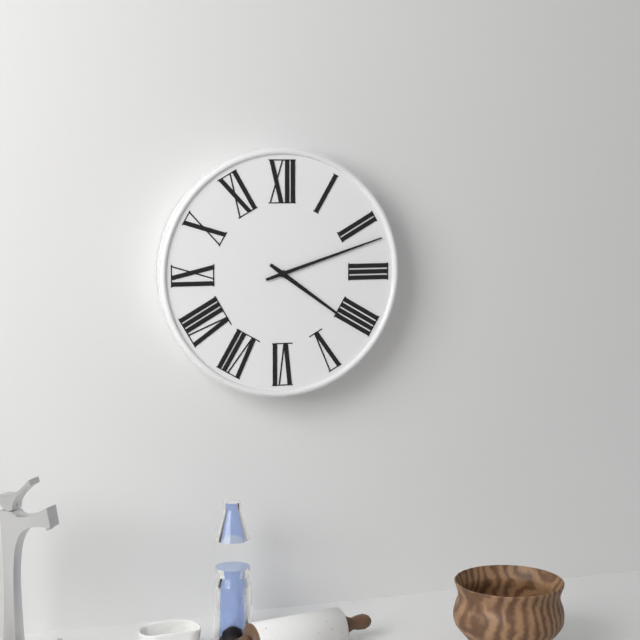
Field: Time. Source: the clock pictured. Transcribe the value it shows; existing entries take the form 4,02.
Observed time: 4,12
